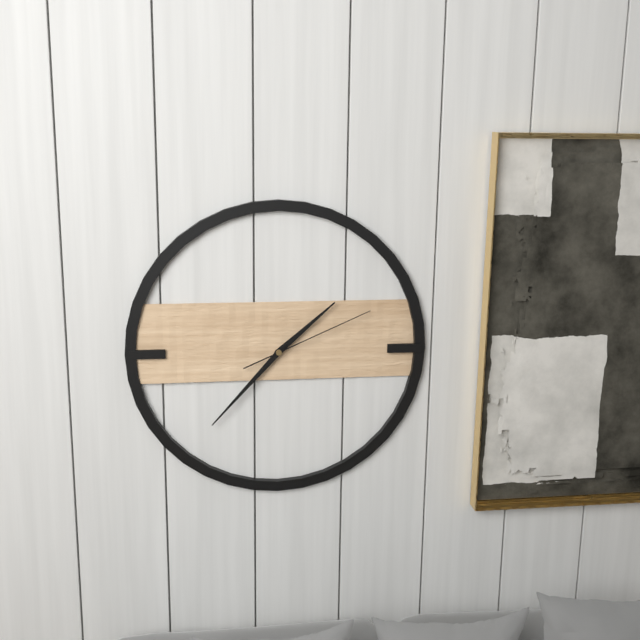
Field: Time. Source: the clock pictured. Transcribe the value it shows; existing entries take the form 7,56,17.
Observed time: 1,37,11
